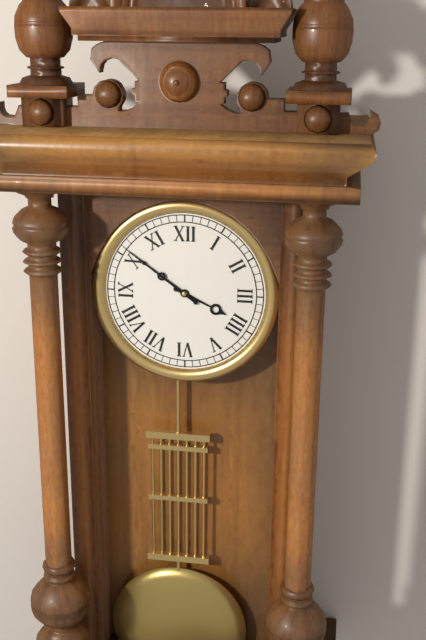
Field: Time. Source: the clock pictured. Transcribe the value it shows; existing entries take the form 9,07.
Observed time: 3,51
